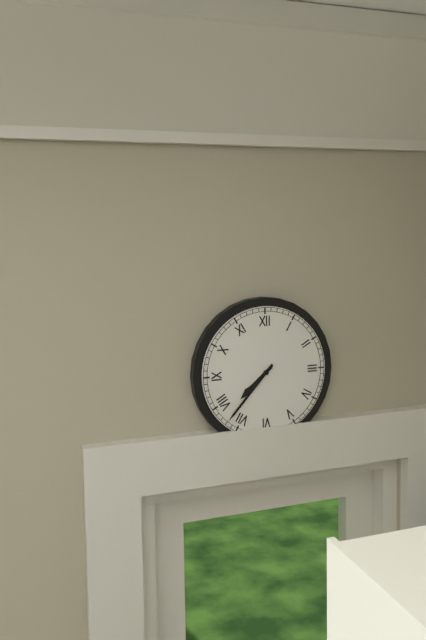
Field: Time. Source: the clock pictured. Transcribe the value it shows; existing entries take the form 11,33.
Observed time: 7,37
